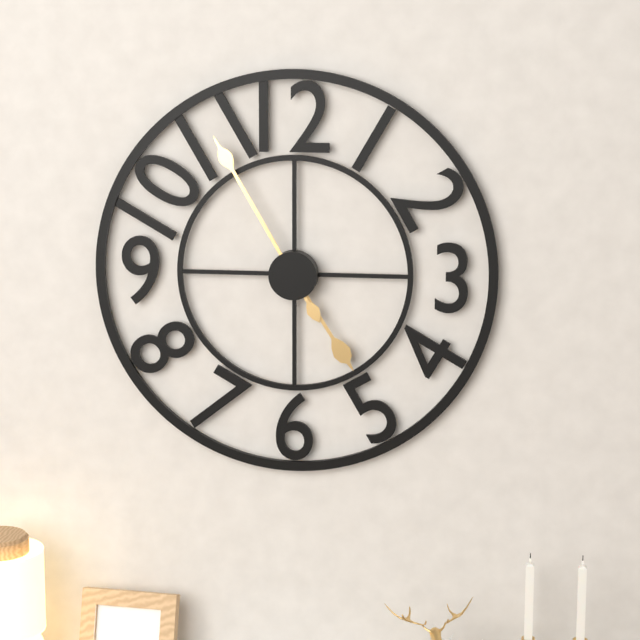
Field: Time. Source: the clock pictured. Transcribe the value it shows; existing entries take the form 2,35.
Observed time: 4,55
